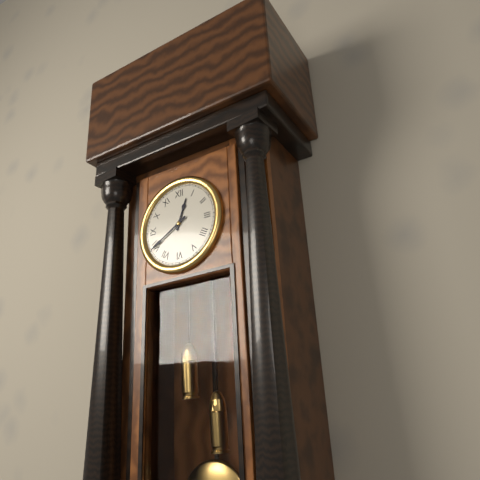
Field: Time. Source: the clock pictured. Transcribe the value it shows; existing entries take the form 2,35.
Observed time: 12,40
